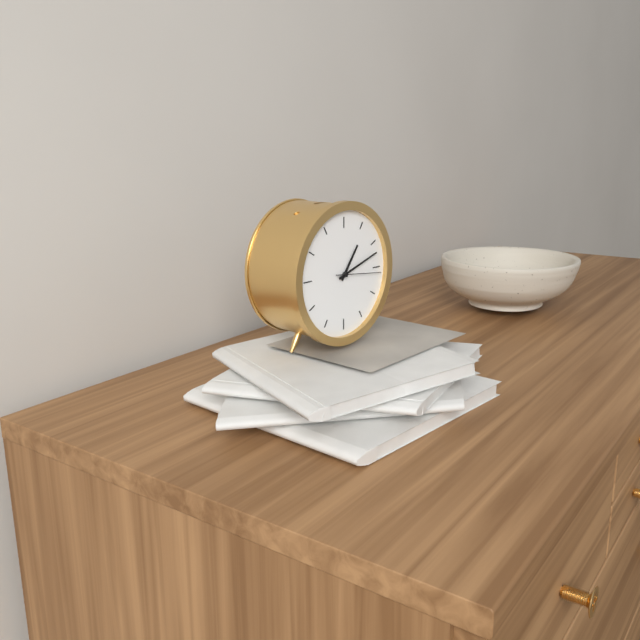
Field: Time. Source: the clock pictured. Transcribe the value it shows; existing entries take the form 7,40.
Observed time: 1,12
